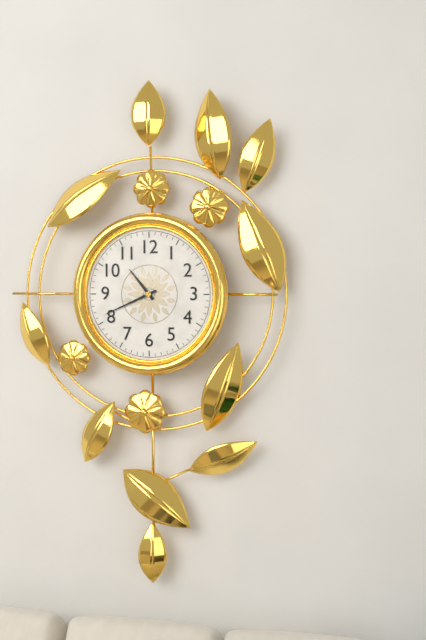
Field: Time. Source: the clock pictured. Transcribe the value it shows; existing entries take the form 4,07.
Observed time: 10,41
